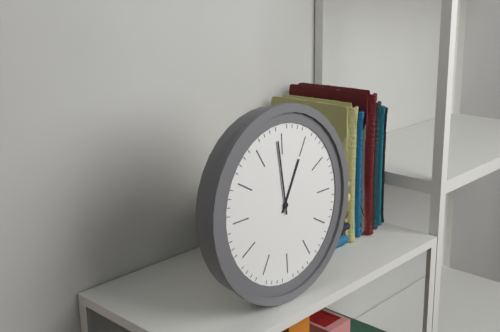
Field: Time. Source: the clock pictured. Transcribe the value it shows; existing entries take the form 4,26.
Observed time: 12,59
